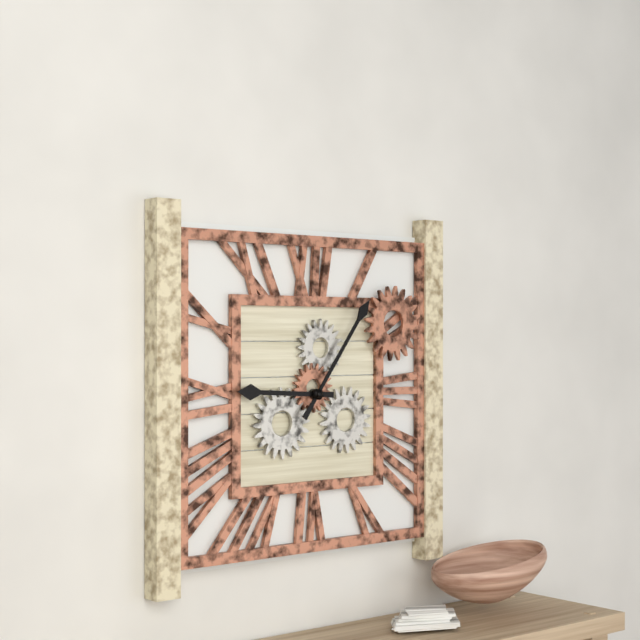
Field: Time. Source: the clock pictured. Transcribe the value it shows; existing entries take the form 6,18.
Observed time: 9,06
